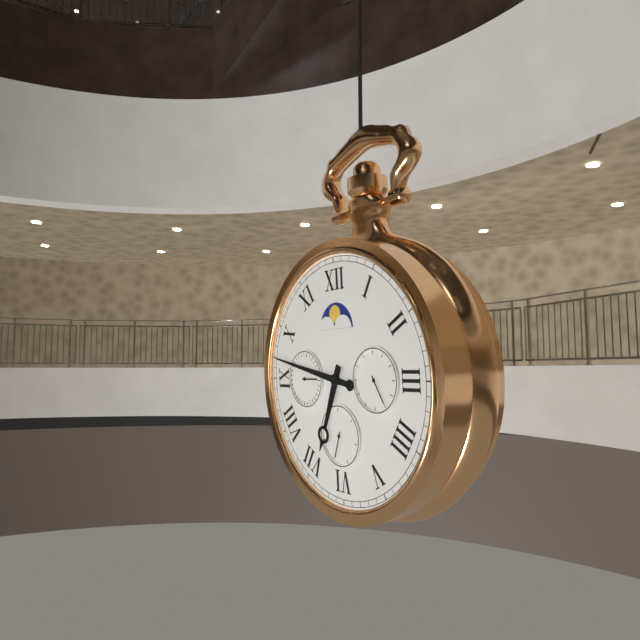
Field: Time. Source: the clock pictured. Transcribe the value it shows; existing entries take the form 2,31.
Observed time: 6,47
